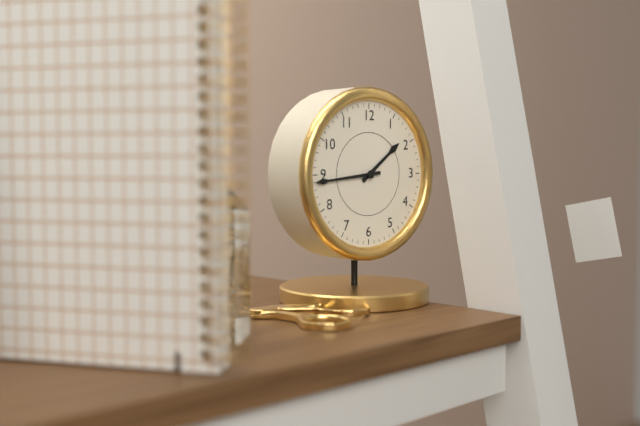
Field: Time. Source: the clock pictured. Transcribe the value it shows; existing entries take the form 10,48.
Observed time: 1,44
